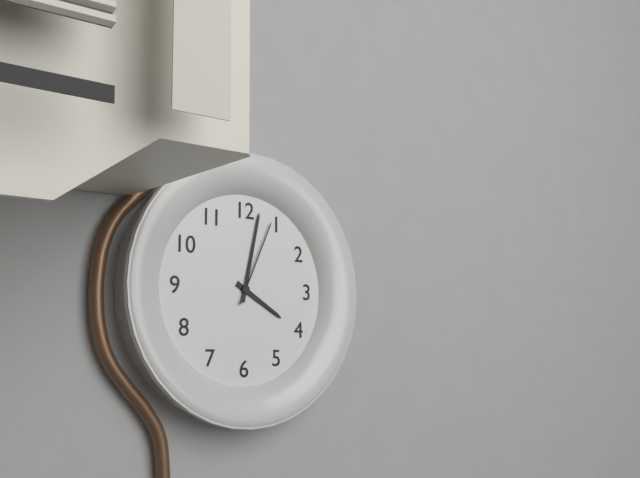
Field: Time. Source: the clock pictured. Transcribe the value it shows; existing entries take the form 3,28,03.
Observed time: 4,02,04
